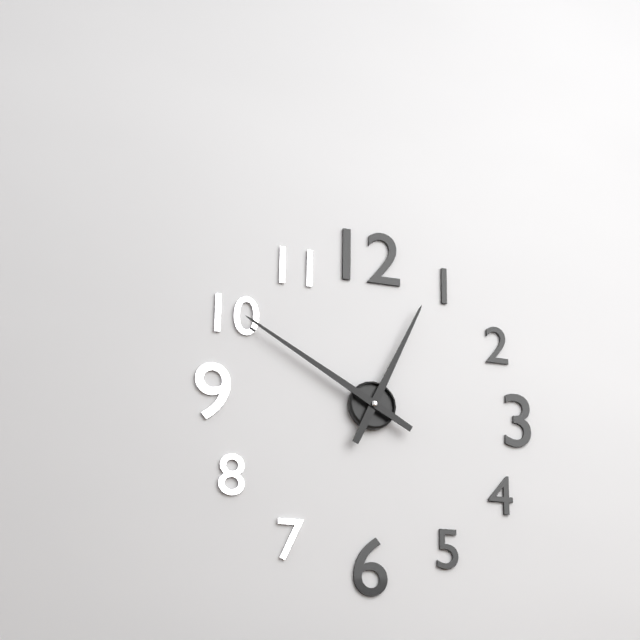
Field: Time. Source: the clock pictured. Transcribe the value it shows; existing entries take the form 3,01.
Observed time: 12,50
